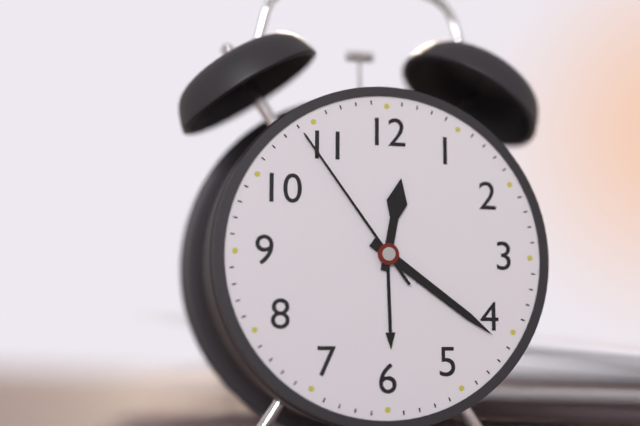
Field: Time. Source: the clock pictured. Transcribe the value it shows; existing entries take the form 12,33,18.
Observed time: 12,21,54
